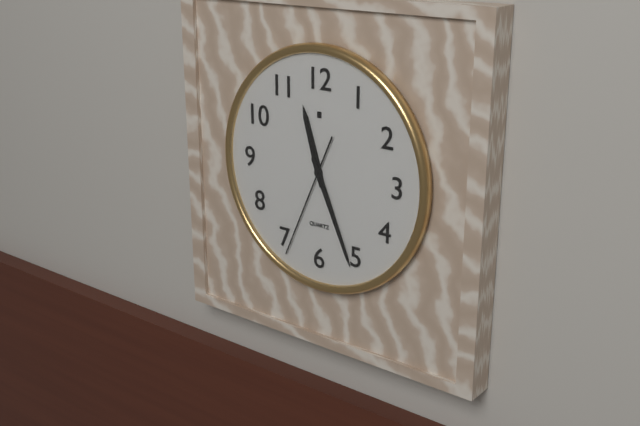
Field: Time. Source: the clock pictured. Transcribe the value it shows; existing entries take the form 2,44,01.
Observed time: 11,26,34
